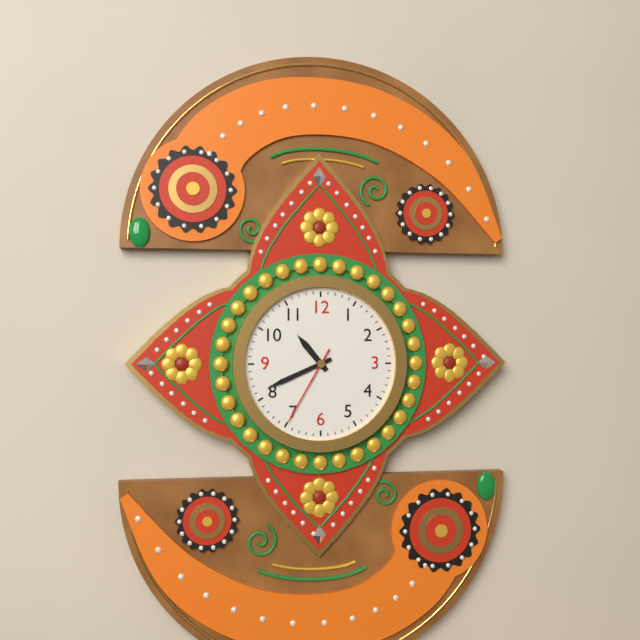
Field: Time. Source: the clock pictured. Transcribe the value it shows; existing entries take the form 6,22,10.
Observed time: 10,41,35
